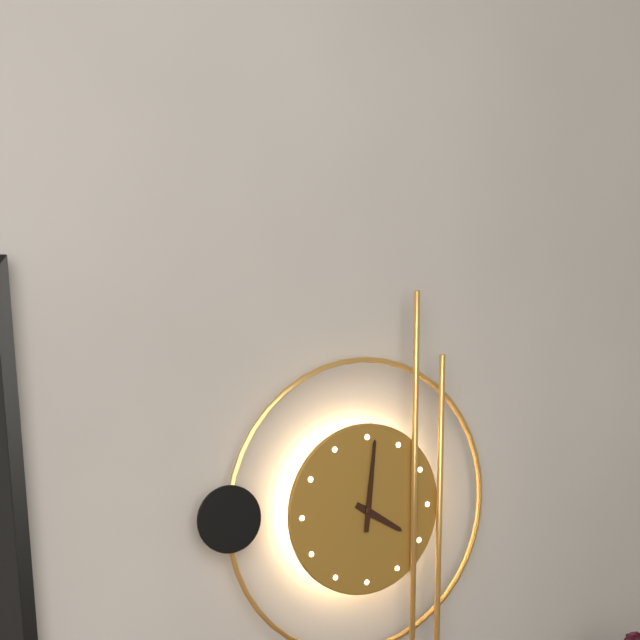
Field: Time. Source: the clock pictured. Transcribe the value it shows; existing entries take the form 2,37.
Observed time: 4,01
